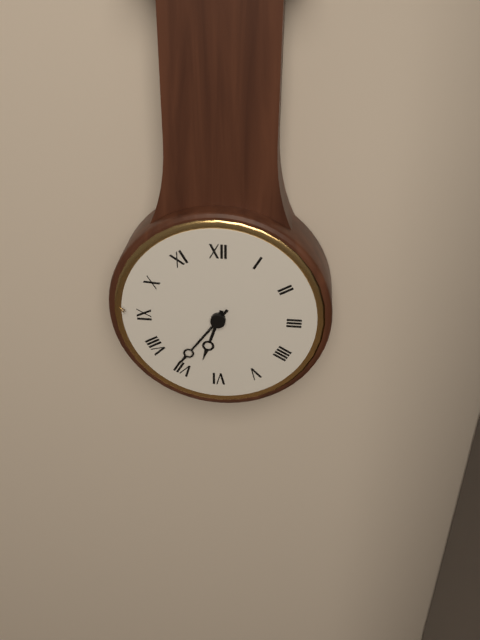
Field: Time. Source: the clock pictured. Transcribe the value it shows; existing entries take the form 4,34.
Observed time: 6,36
